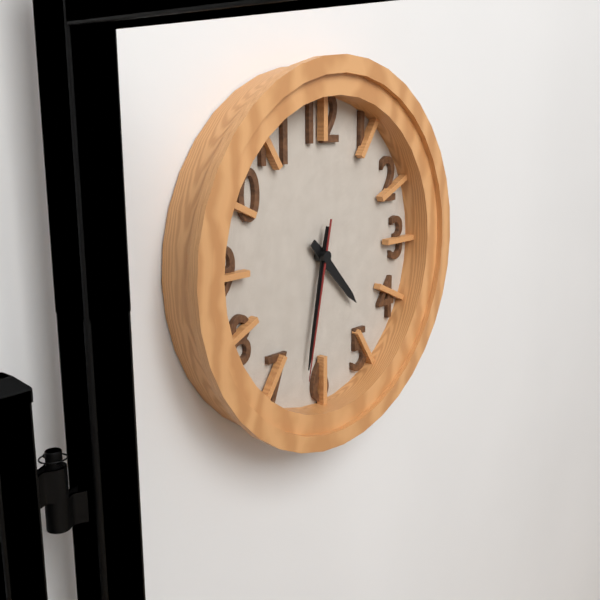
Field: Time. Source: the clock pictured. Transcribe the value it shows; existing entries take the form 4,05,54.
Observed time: 4,32,32
